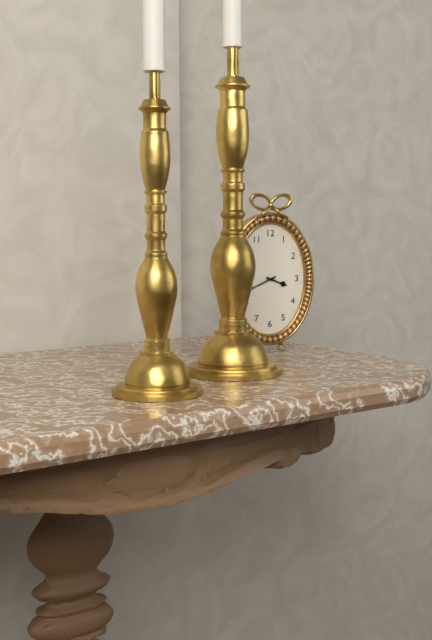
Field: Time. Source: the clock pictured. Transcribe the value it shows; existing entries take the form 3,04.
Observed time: 3,41
